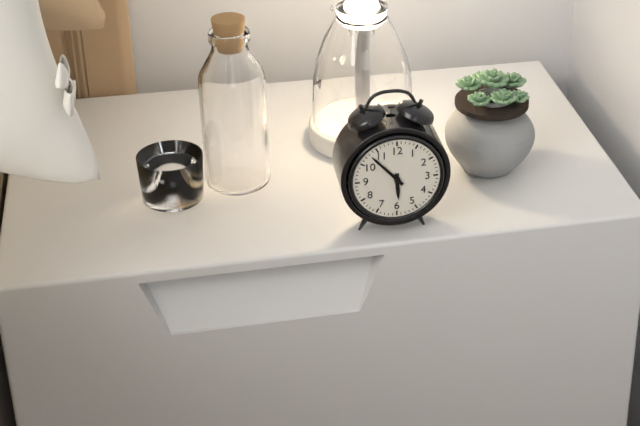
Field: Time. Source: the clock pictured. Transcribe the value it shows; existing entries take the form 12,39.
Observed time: 5,53
